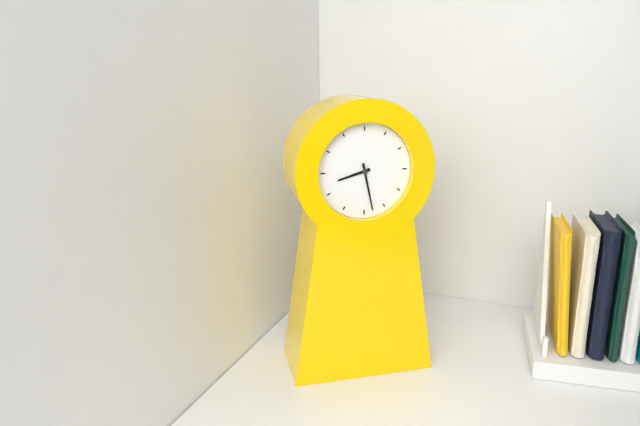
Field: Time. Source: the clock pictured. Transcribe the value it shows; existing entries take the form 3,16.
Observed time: 8,28
